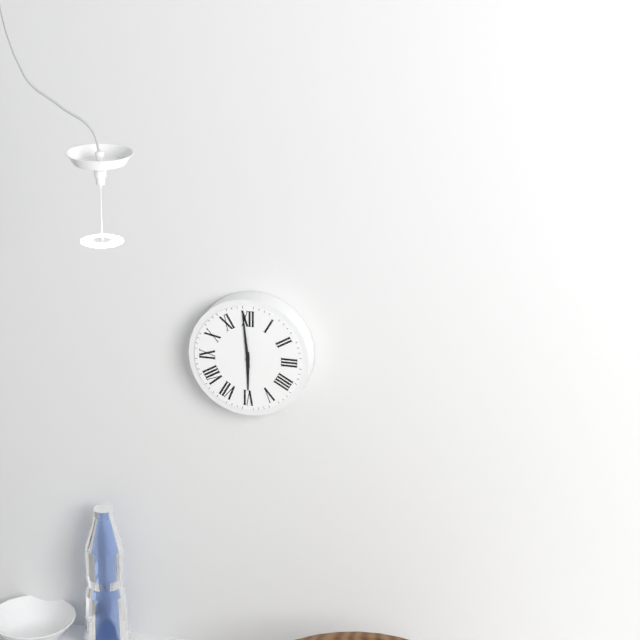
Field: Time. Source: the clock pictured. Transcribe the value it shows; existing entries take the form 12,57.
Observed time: 5,59
